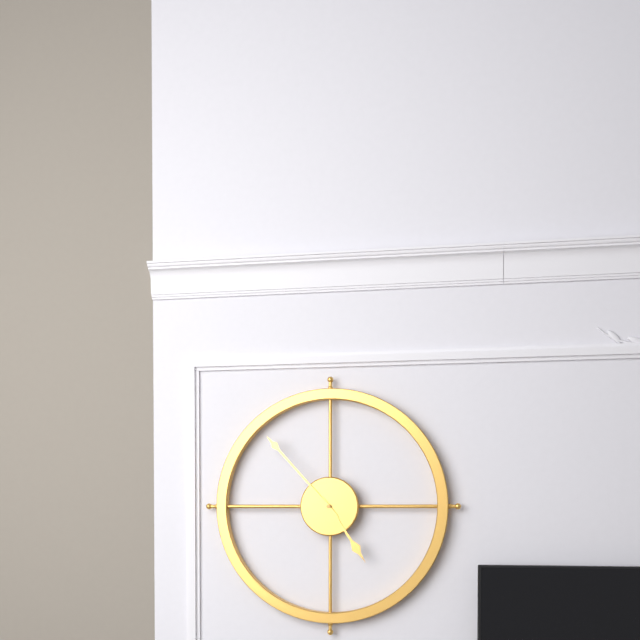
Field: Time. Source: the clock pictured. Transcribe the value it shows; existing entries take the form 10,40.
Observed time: 4,53
